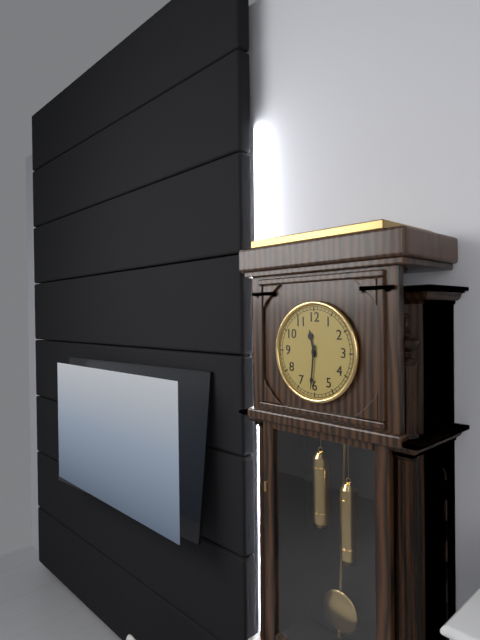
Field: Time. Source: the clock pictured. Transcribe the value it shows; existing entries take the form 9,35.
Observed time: 11,31
